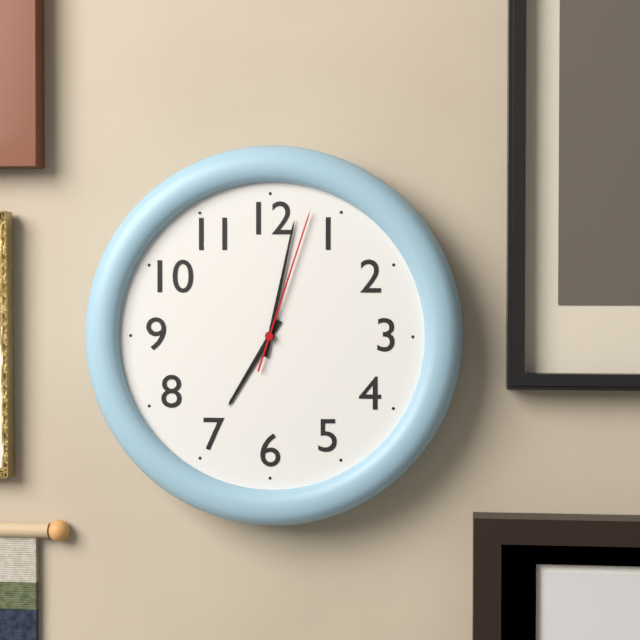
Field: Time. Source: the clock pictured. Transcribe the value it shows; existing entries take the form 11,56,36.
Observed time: 7,02,03
